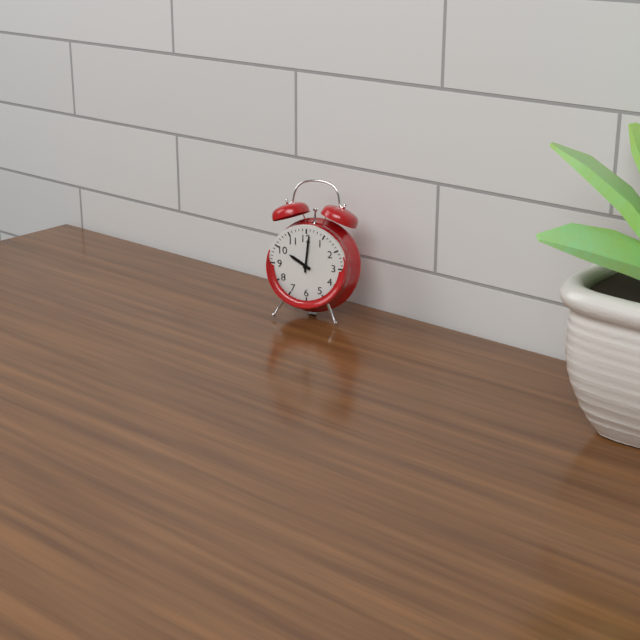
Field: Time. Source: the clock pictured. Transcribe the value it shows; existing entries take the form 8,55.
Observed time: 10,01
